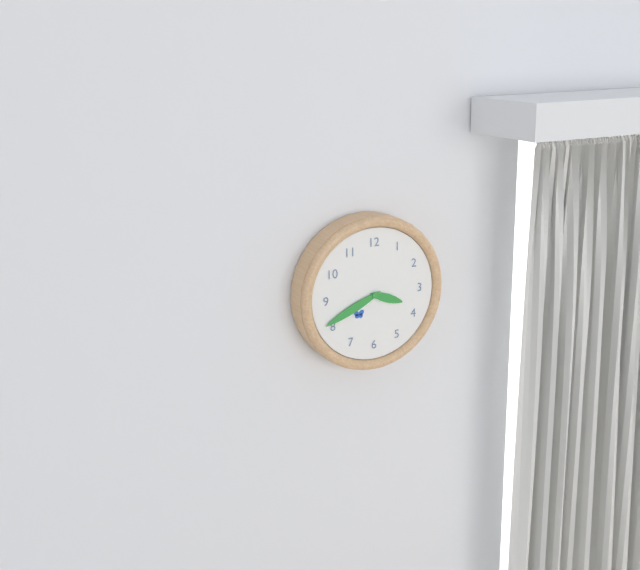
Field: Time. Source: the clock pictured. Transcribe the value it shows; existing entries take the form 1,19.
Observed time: 3,41
